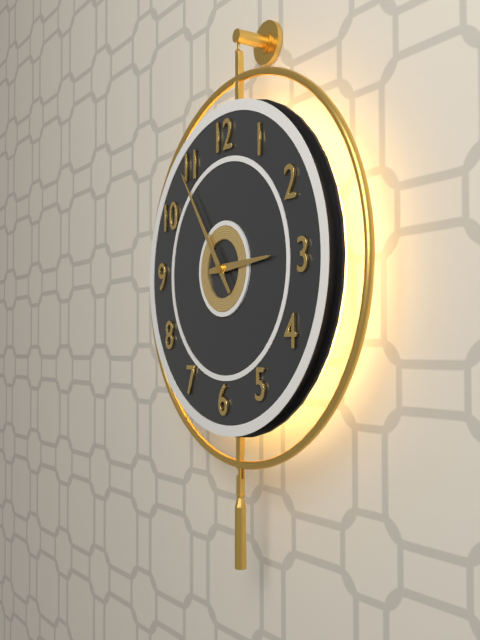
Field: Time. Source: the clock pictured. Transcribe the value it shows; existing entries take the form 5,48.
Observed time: 2,54
